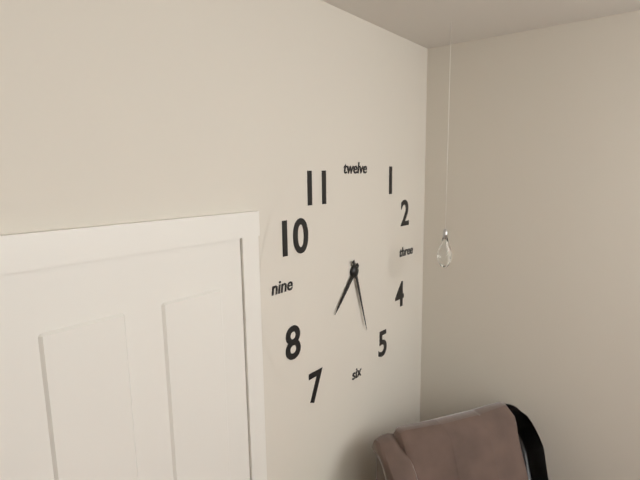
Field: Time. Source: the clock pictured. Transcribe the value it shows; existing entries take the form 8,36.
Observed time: 7,27
